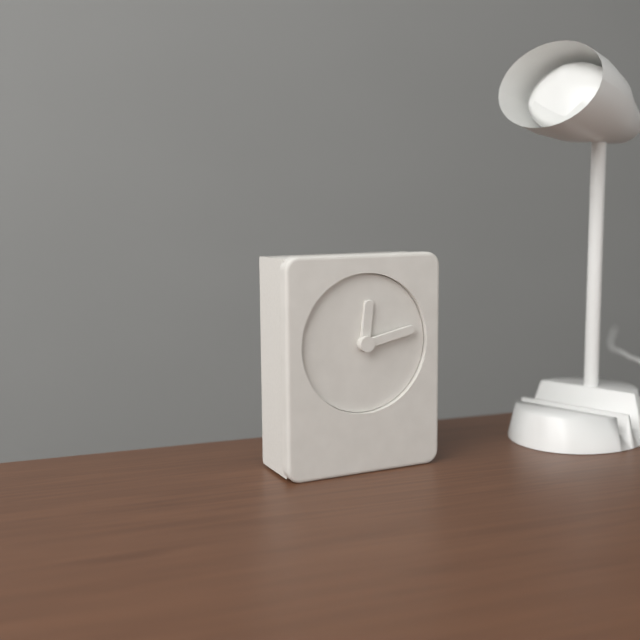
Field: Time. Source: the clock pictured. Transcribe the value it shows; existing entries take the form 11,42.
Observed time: 12,13
